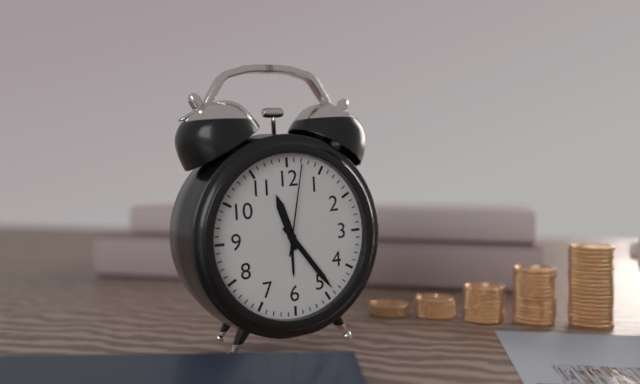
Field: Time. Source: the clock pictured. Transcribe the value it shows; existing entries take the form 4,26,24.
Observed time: 11,24,02
